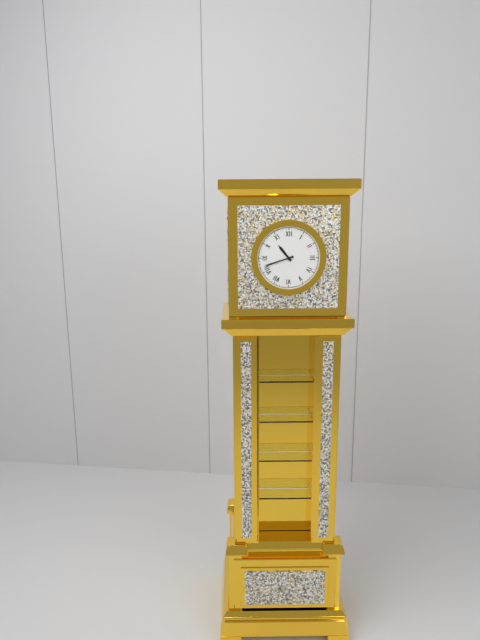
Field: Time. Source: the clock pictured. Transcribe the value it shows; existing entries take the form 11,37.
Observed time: 10,42
